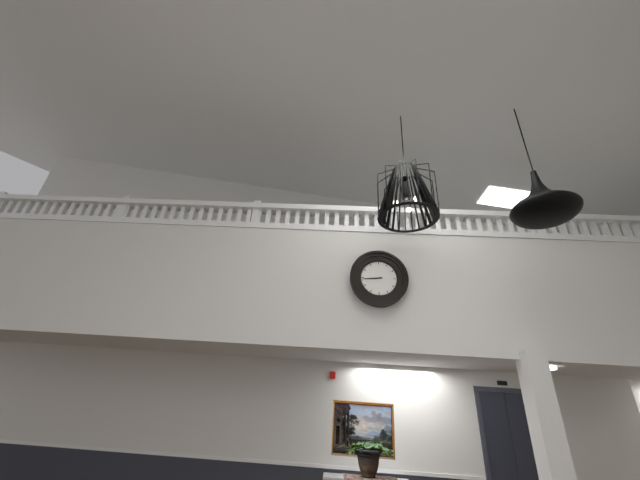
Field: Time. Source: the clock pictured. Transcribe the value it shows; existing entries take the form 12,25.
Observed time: 8,44
